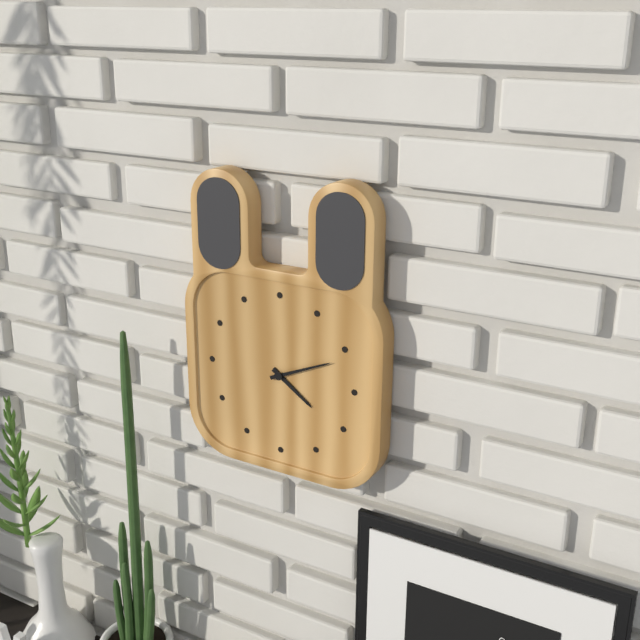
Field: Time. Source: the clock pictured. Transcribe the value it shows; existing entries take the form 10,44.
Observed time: 4,11
